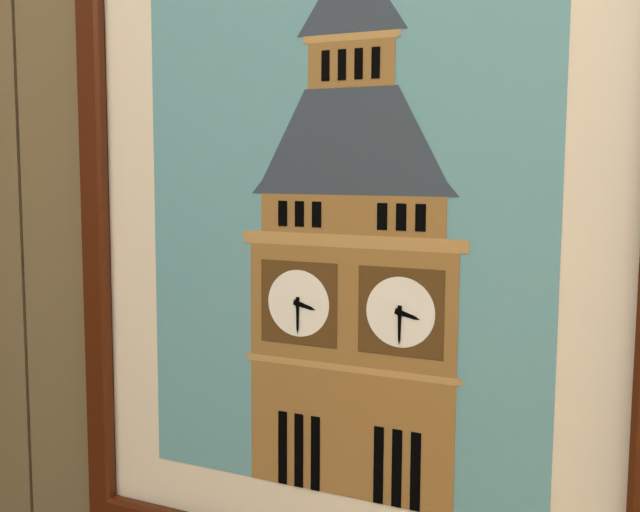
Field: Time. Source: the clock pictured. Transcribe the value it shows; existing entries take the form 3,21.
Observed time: 3,30
